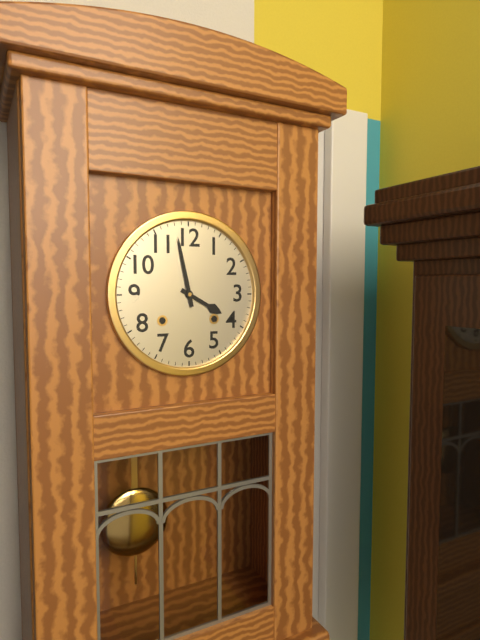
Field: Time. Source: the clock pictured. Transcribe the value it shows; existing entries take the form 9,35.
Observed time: 3,58
